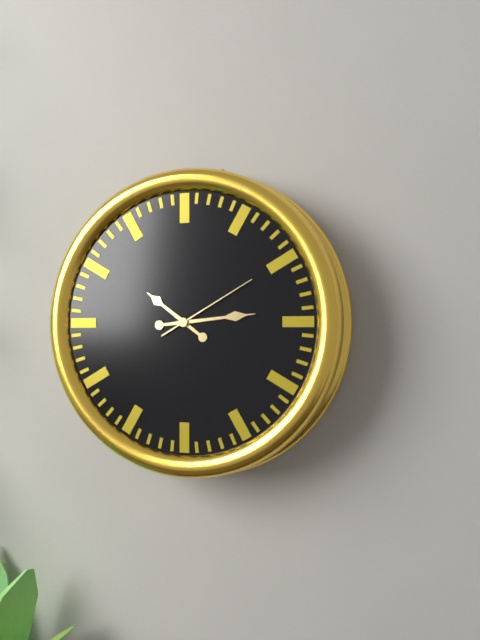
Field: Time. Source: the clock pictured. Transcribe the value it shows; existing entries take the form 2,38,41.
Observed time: 10,14,10
